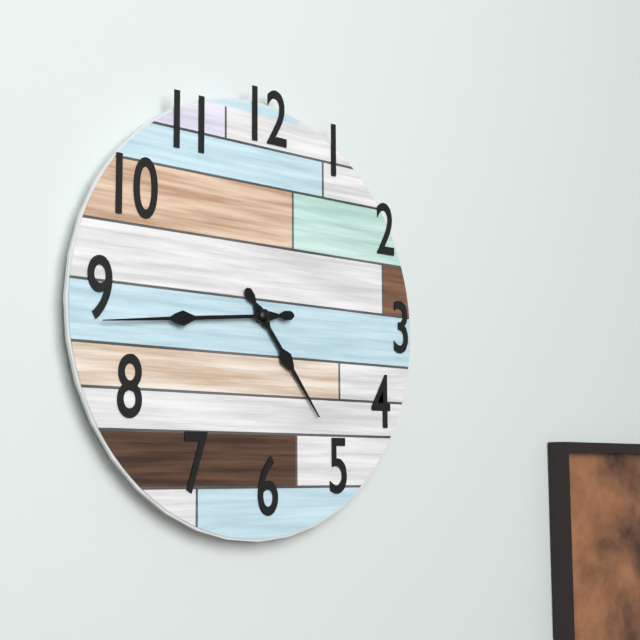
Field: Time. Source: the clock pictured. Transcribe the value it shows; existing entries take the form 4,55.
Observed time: 4,44
